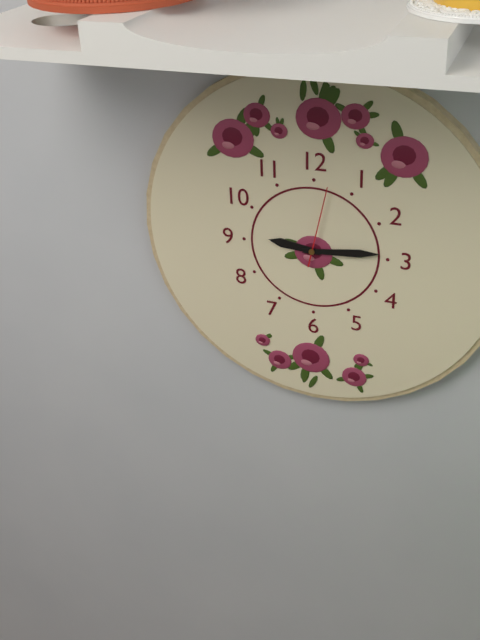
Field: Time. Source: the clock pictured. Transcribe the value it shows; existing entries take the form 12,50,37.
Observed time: 9,14,02
